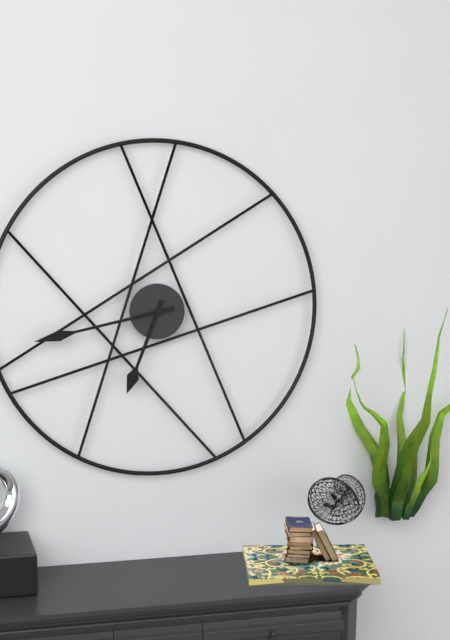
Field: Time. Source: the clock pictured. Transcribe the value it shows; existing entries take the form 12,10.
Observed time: 6,43
